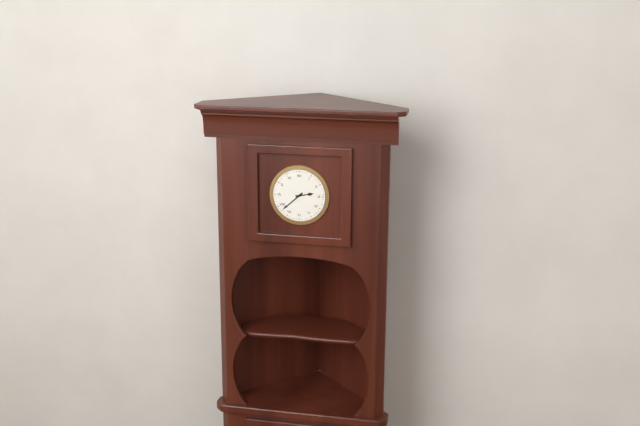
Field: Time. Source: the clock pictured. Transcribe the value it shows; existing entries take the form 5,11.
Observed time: 2,38
